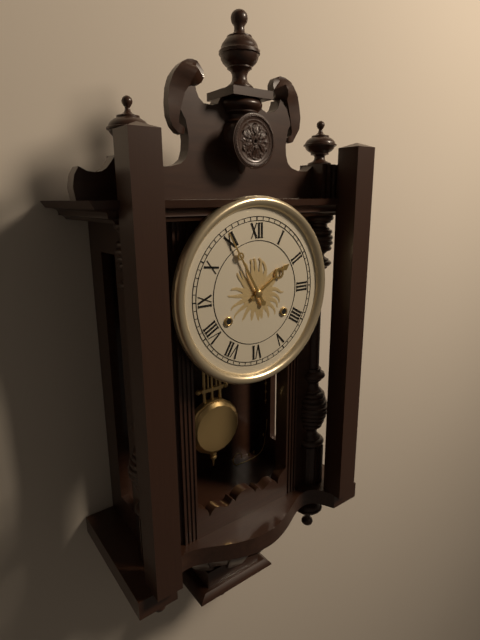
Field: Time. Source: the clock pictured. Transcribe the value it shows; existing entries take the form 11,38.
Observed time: 1,55
